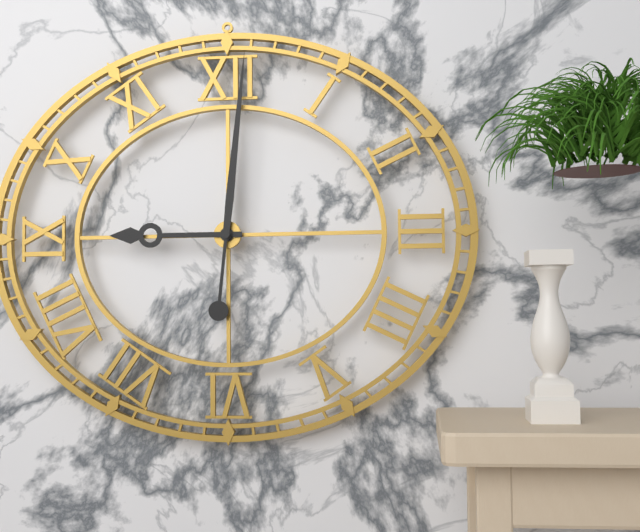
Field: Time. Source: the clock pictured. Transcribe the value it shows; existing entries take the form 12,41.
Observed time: 9,01
